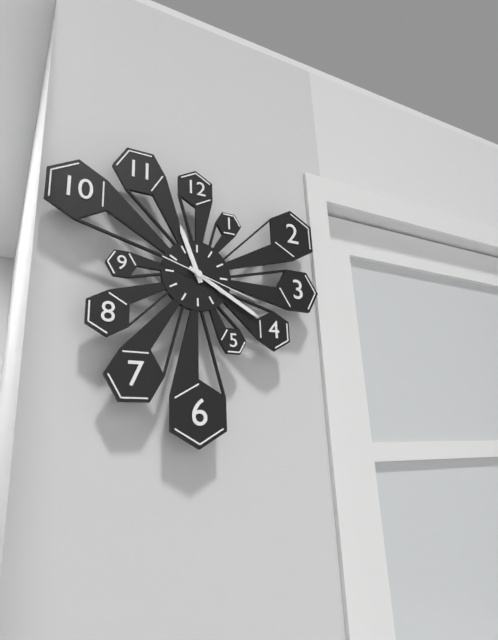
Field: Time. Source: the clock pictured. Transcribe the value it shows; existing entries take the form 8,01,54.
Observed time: 11,20,18
